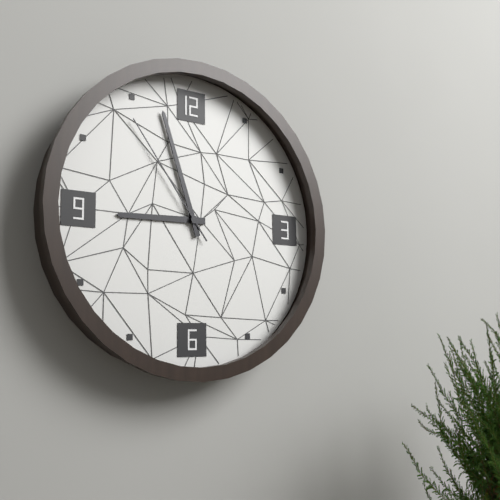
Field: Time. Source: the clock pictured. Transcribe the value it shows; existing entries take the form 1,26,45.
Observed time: 8,57,54
